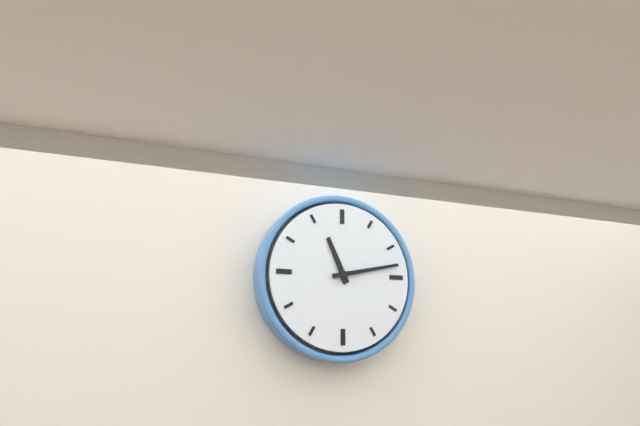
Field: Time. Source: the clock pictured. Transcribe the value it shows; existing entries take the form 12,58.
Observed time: 11,13
